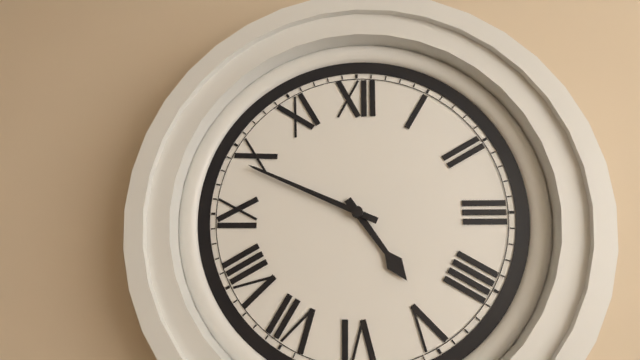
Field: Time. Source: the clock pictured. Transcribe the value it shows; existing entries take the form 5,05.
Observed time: 4,49
